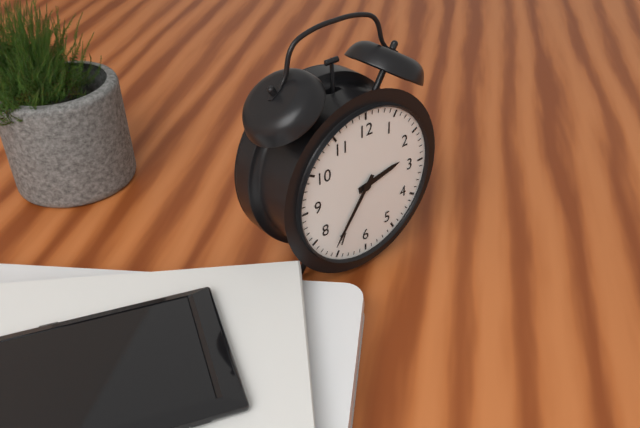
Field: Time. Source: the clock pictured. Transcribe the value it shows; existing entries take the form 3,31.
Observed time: 2,36
